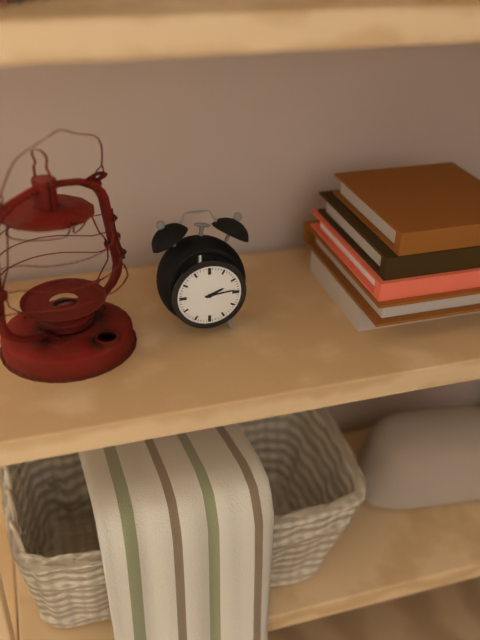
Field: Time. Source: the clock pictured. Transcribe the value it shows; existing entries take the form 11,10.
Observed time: 2,14
